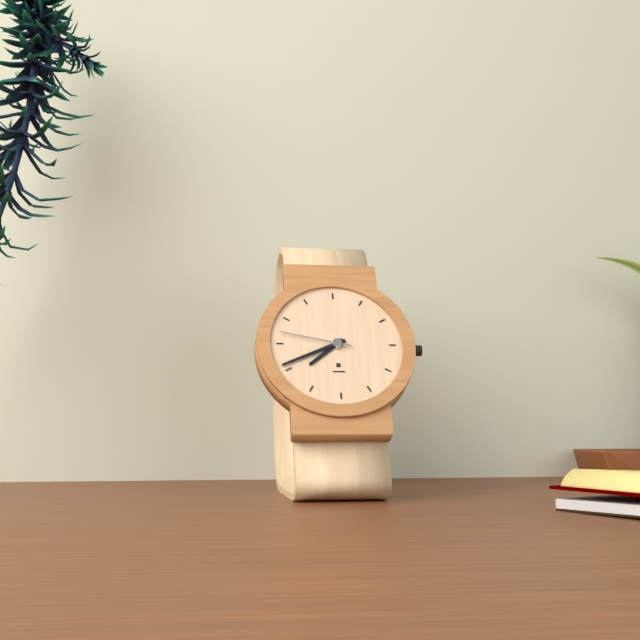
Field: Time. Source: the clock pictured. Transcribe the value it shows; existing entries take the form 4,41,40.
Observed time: 7,41,47
